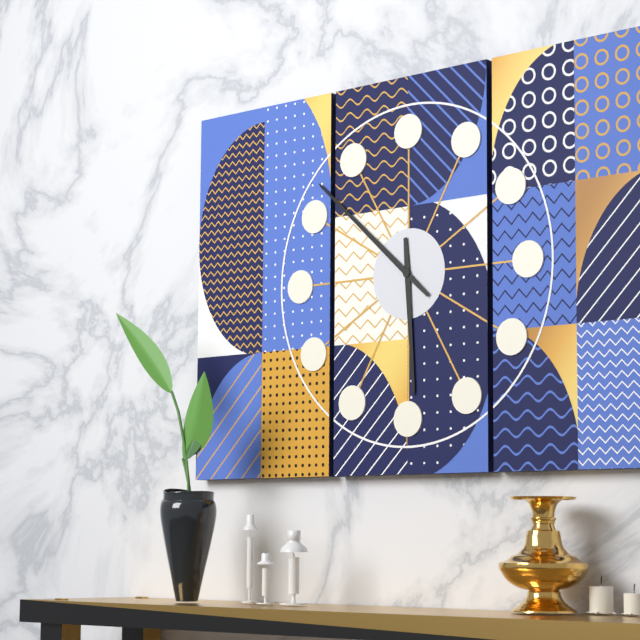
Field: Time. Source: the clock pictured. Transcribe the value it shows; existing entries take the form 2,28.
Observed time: 5,52
